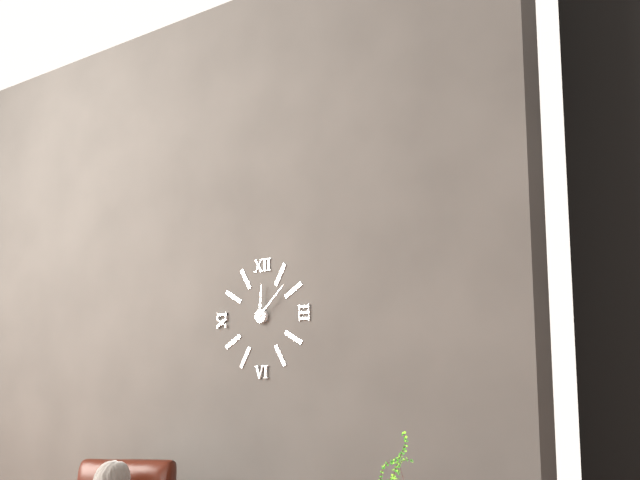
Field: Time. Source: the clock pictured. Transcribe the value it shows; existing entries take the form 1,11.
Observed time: 12,08
